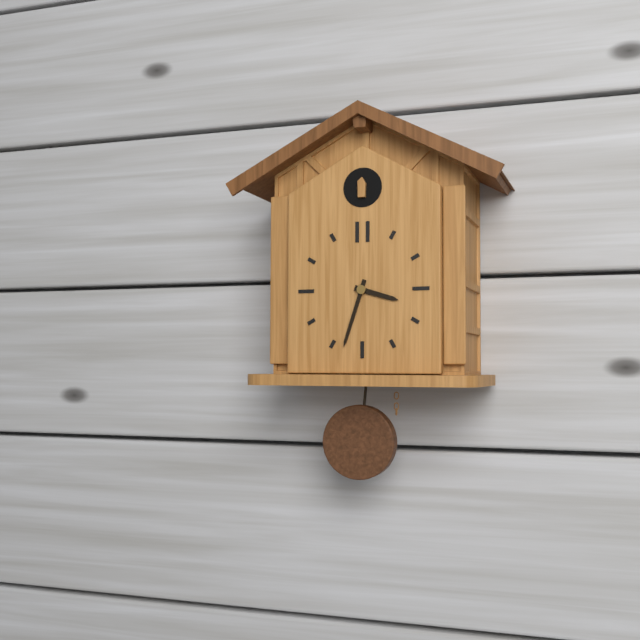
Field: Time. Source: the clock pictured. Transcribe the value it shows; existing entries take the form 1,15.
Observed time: 3,33
